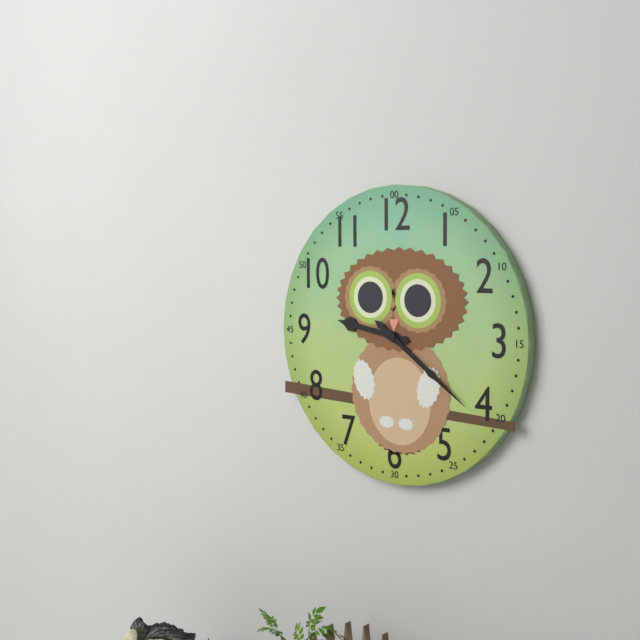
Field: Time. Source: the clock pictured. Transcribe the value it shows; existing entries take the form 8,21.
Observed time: 9,21
